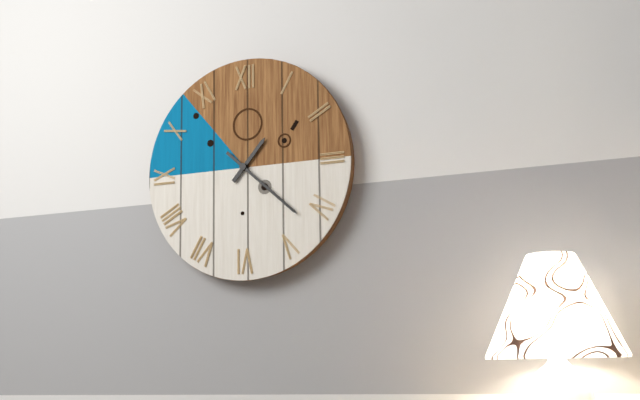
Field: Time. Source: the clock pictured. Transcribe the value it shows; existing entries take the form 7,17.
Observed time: 1,22
